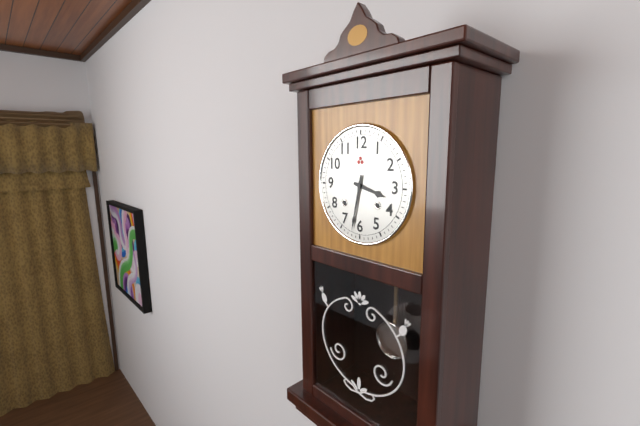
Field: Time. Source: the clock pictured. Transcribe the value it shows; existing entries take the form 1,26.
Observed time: 3,32
